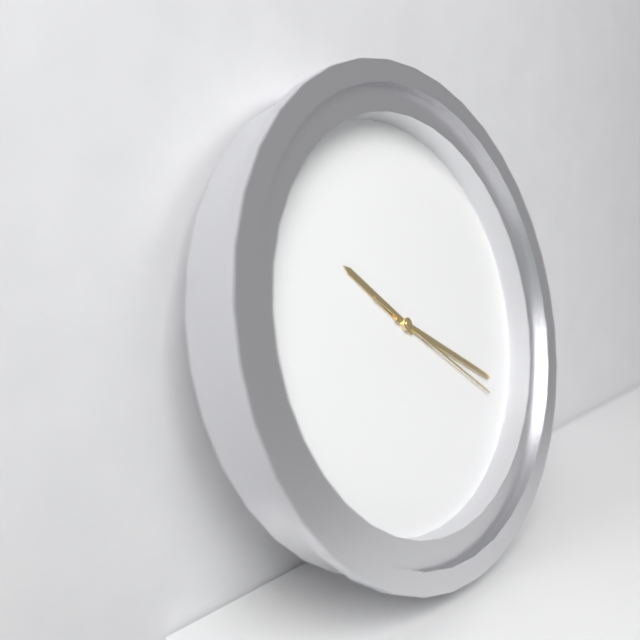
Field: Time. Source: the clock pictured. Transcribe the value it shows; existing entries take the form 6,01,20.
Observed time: 10,20,21
